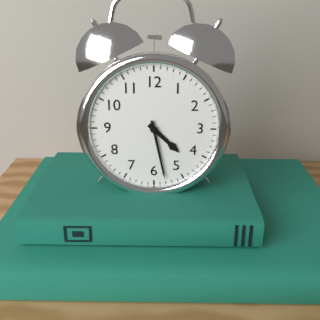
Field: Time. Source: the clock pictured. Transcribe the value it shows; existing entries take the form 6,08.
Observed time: 4,28
